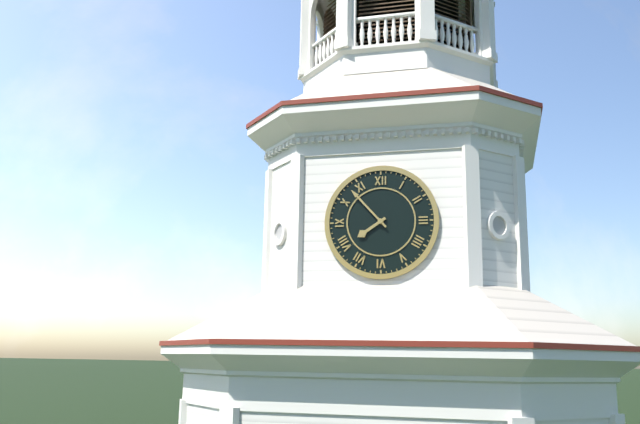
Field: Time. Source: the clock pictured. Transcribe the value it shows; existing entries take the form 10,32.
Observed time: 7,53
